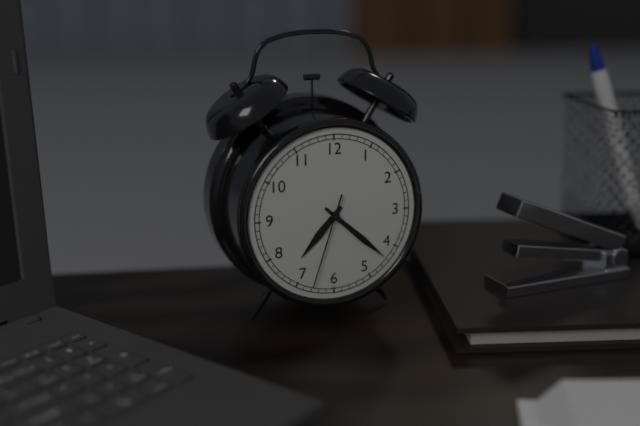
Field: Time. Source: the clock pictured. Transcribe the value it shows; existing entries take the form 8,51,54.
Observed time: 7,22,33
